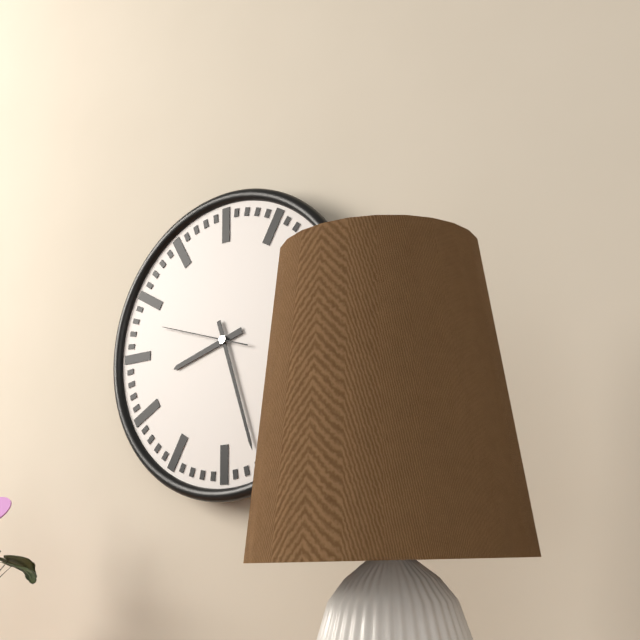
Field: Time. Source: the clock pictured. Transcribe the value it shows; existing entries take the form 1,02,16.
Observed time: 8,27,48
